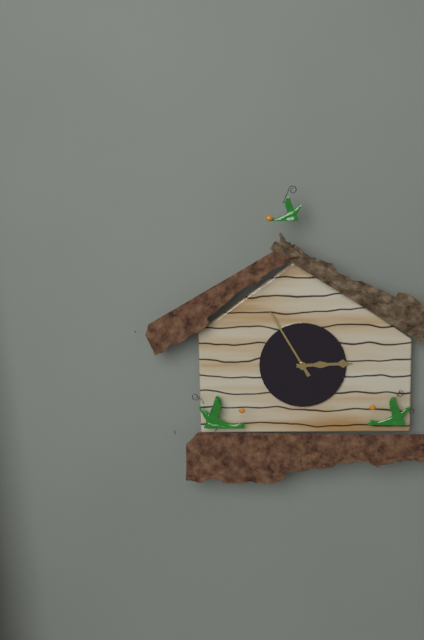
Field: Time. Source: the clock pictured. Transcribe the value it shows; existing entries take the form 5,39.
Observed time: 2,55
